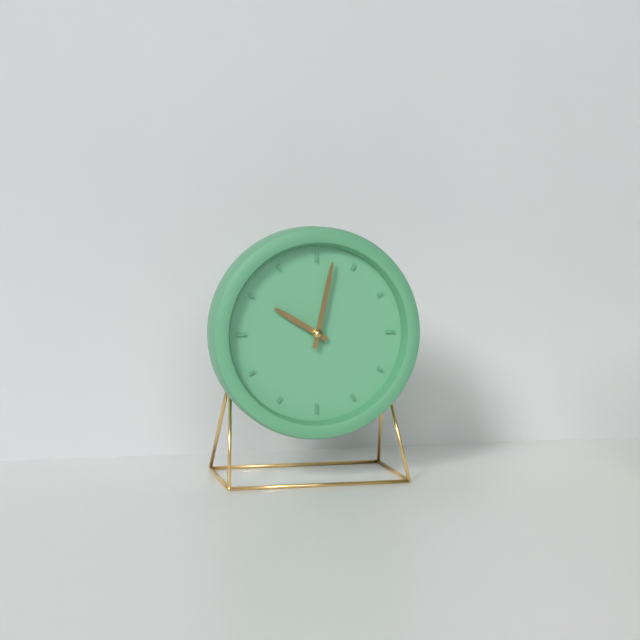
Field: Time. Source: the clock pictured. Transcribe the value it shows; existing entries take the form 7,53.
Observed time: 10,02
